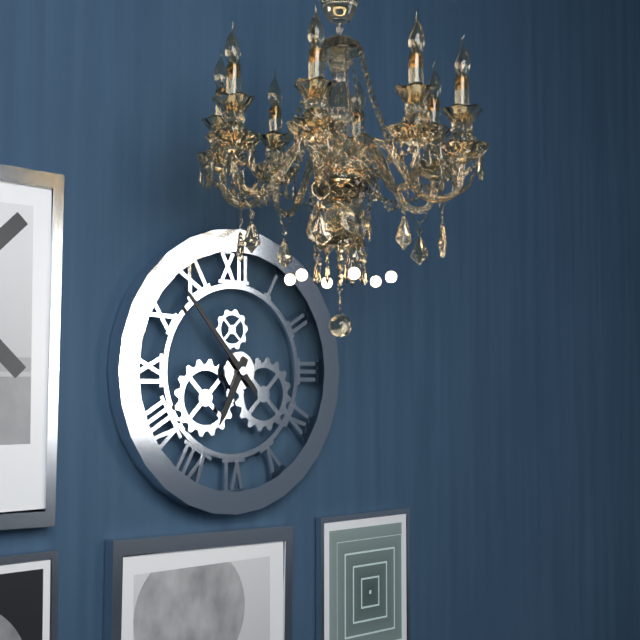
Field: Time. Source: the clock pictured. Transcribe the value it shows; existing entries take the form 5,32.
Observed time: 6,53
